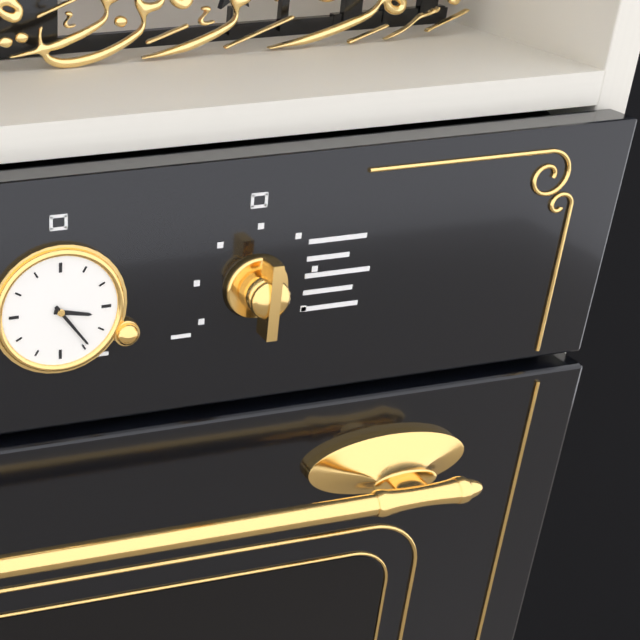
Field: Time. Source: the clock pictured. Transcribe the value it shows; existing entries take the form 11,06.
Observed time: 3,24
